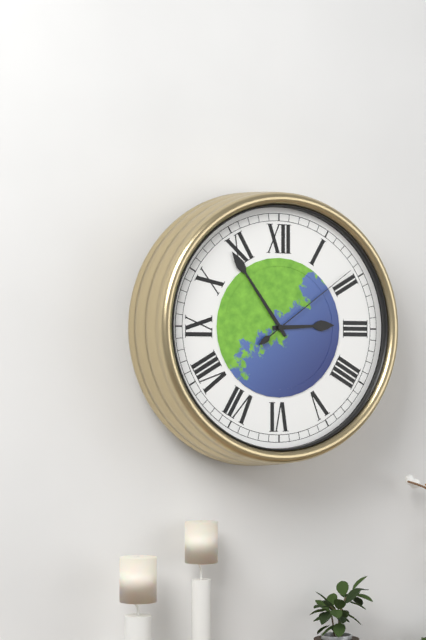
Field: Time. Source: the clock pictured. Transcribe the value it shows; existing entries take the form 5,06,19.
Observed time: 2,54,09
